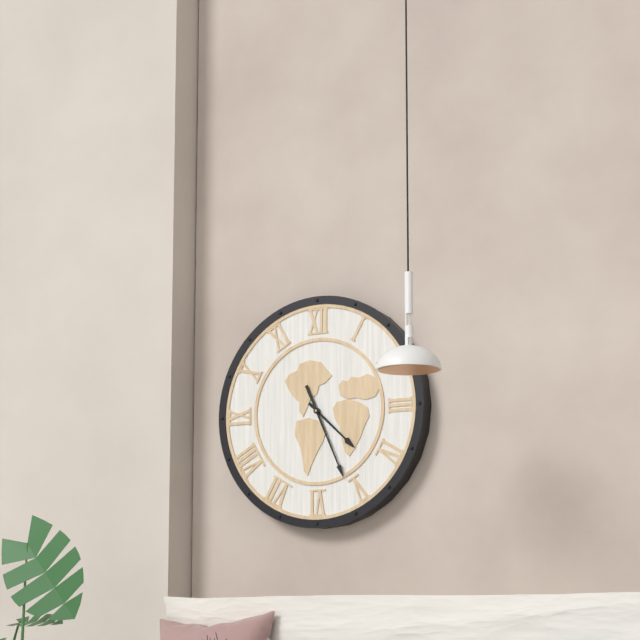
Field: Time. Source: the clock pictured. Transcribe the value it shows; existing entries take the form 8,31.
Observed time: 4,26
